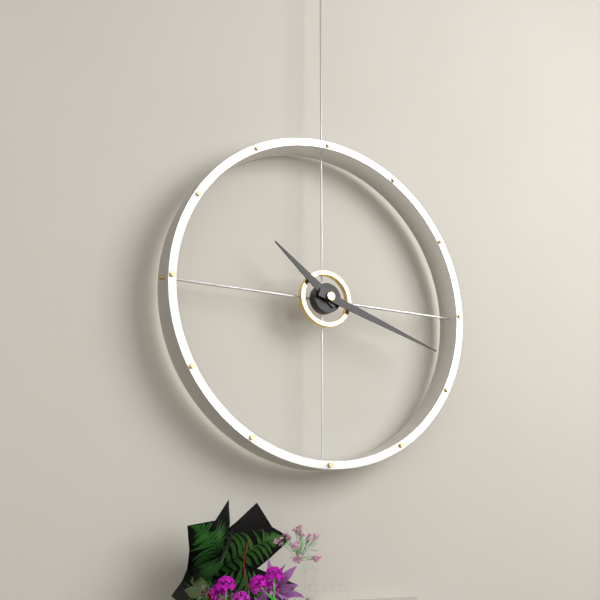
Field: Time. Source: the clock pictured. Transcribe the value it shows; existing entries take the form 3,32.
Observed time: 10,18
